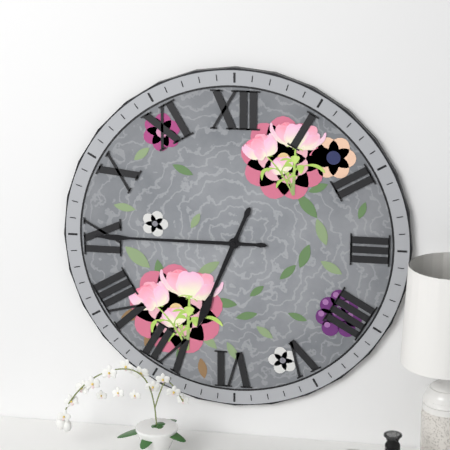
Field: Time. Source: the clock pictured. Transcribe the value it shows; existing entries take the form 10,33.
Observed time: 6,45
